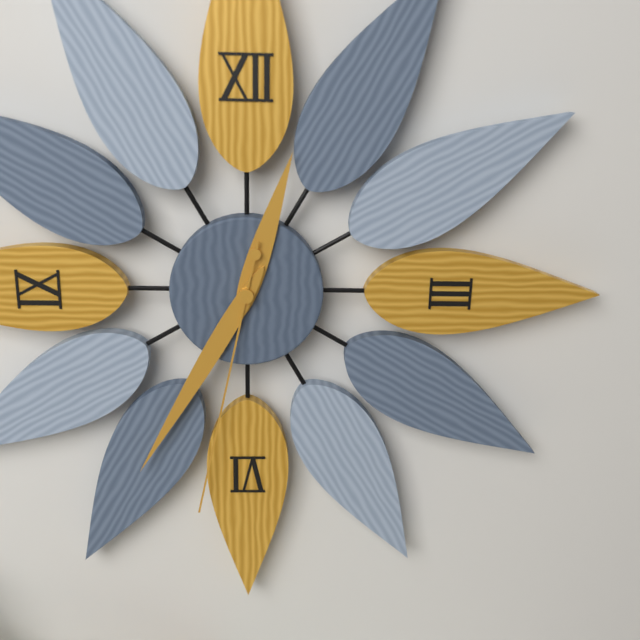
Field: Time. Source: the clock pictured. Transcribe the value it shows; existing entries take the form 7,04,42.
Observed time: 12,35,32
